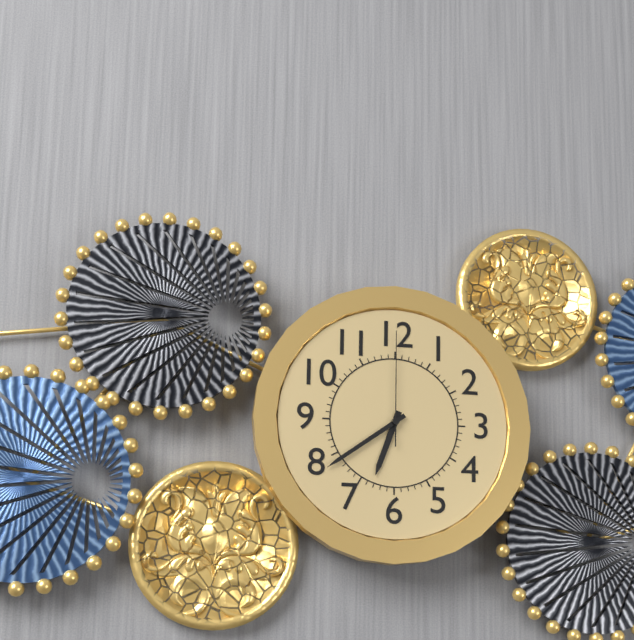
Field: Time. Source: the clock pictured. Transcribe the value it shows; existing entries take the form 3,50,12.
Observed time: 6,39,00
